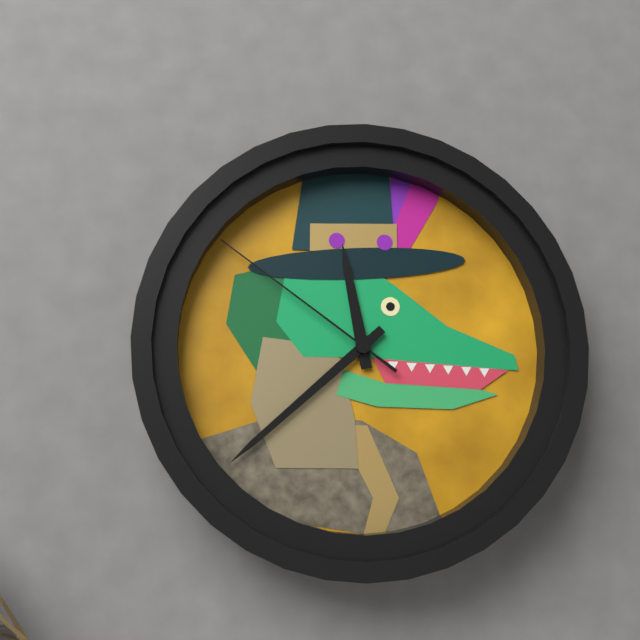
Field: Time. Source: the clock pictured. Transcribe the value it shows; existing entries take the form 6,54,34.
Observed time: 11,38,51
